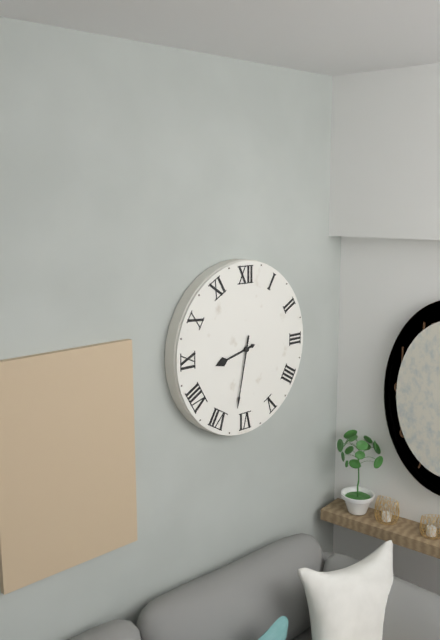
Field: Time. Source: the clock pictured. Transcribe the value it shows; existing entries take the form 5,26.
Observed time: 8,32
